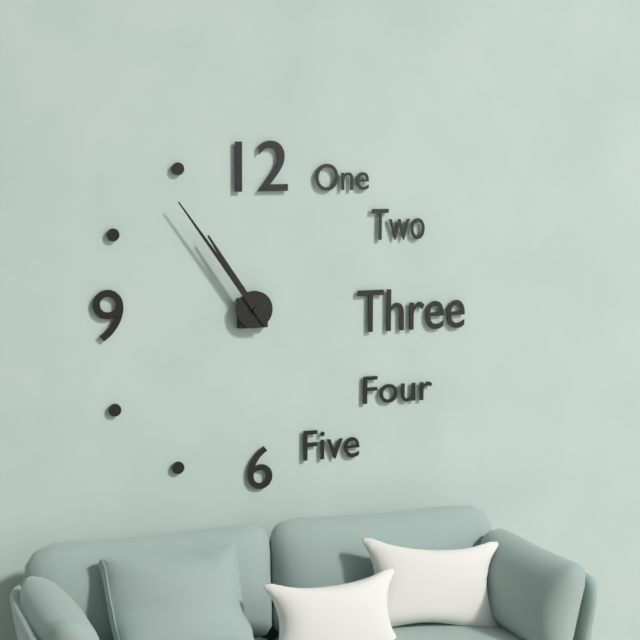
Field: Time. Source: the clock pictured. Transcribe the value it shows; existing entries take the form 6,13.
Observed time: 10,54
